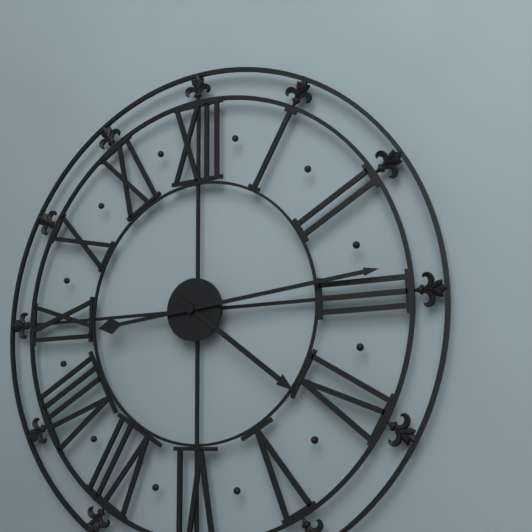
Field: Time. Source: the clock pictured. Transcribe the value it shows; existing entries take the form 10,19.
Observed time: 4,14
